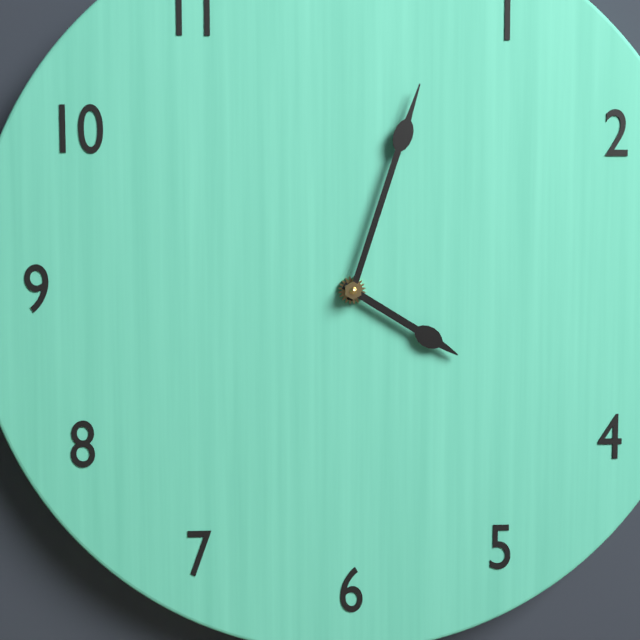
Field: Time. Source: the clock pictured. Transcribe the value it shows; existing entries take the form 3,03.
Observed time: 4,03
